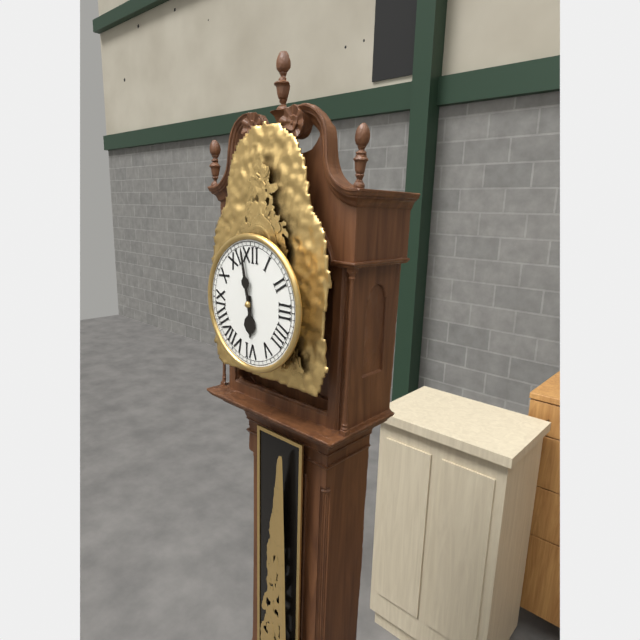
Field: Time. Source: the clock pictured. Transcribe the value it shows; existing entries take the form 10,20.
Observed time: 5,58
